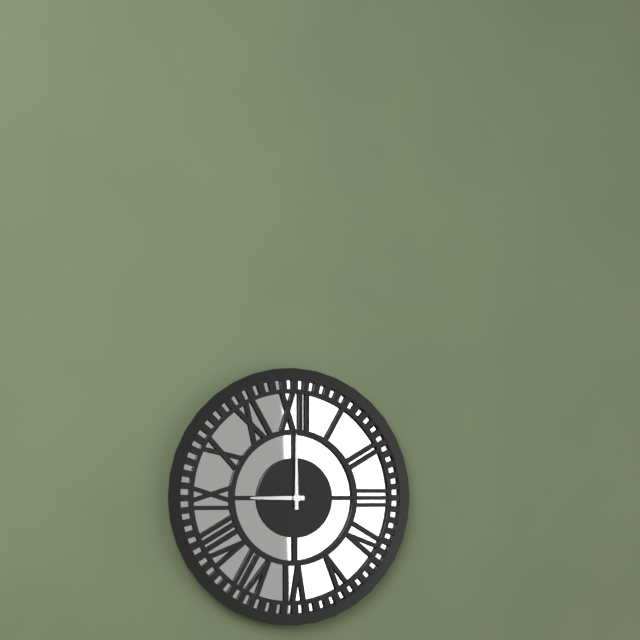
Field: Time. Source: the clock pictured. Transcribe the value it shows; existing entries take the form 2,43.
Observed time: 9,00
